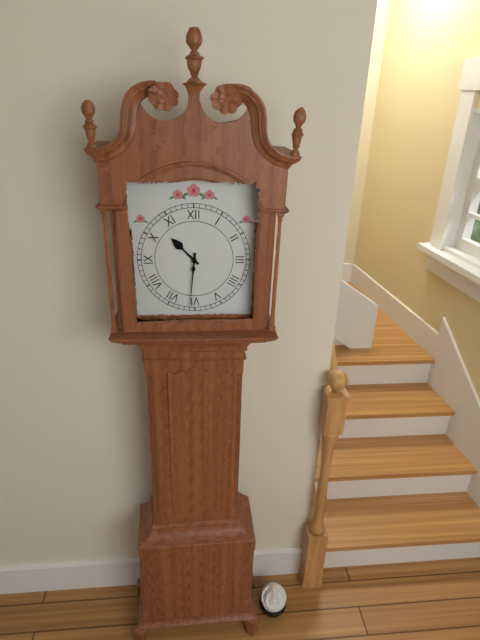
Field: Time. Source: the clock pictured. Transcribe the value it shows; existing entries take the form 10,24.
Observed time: 10,31
